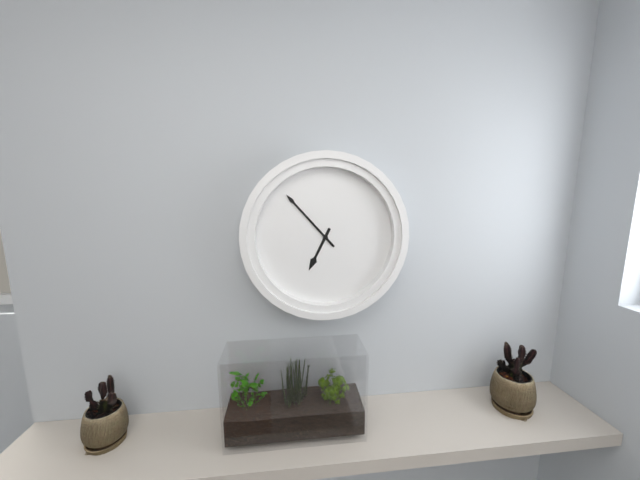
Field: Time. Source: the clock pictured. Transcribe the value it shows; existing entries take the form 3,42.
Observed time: 6,53
